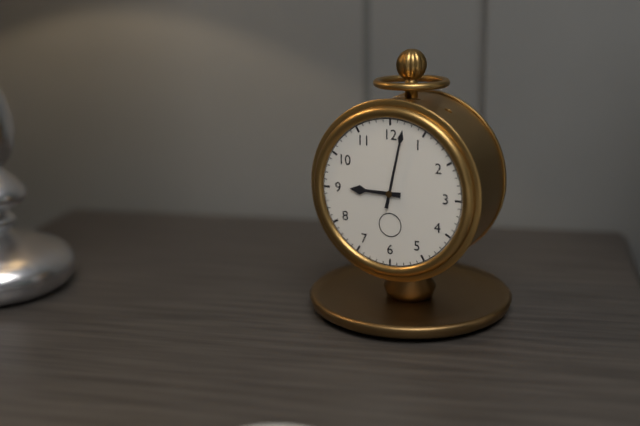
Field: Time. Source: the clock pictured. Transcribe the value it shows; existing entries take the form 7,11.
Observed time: 9,02
